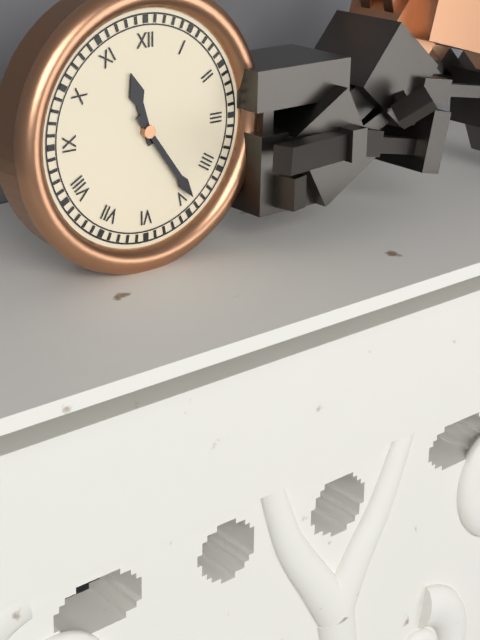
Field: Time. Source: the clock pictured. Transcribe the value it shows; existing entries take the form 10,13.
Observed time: 11,24
